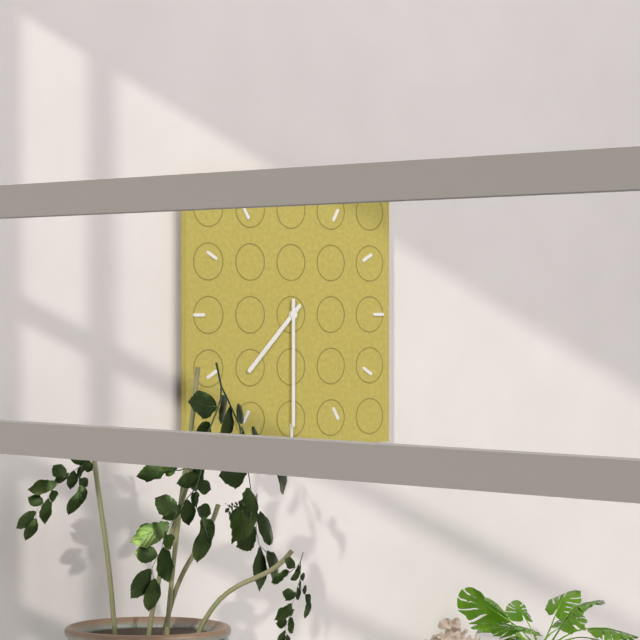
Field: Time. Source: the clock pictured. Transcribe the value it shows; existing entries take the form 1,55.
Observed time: 7,30
